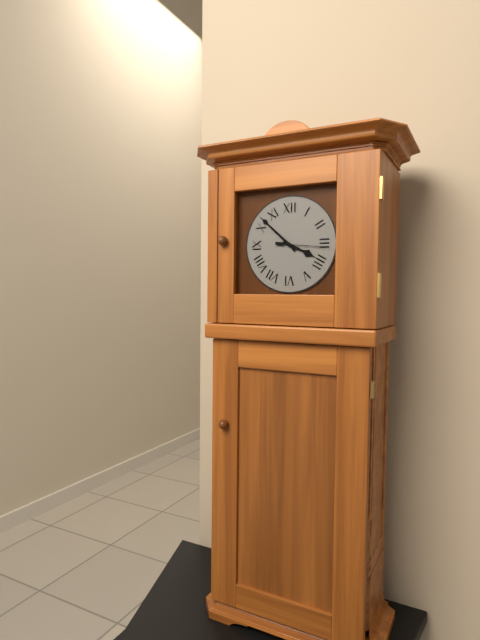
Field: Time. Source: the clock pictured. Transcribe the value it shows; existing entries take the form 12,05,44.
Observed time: 3,52,16
